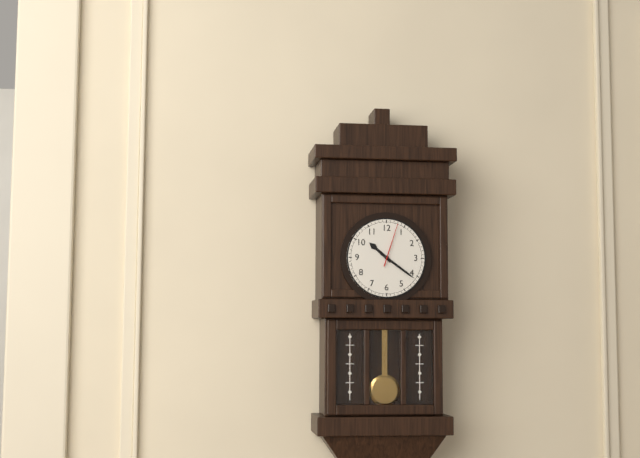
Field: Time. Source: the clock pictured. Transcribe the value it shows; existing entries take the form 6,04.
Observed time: 10,21
